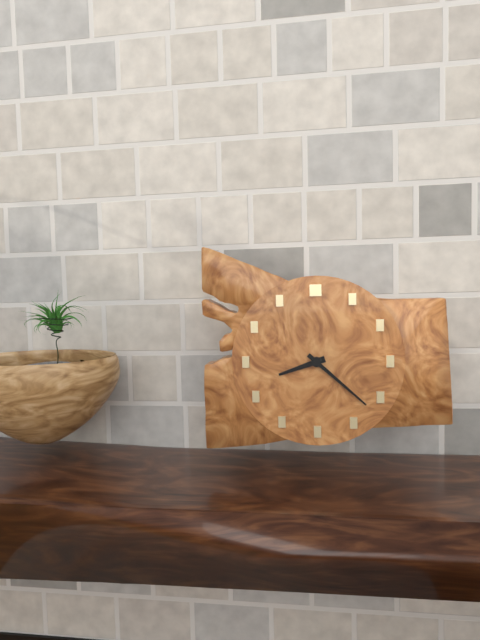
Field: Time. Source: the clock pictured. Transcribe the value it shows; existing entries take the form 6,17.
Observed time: 8,22
